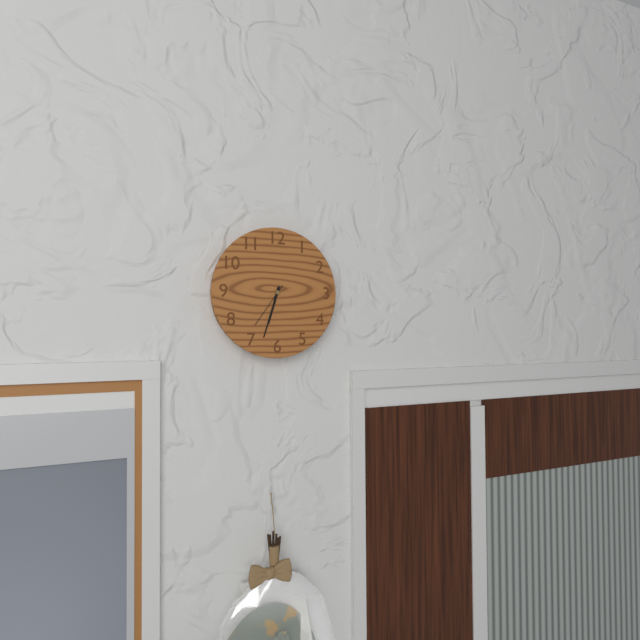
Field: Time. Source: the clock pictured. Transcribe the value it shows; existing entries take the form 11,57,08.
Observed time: 6,33,36
